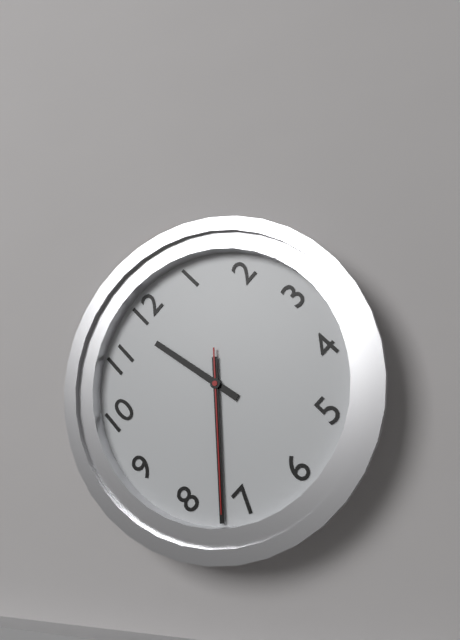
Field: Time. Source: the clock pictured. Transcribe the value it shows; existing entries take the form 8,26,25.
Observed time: 11,37,37
